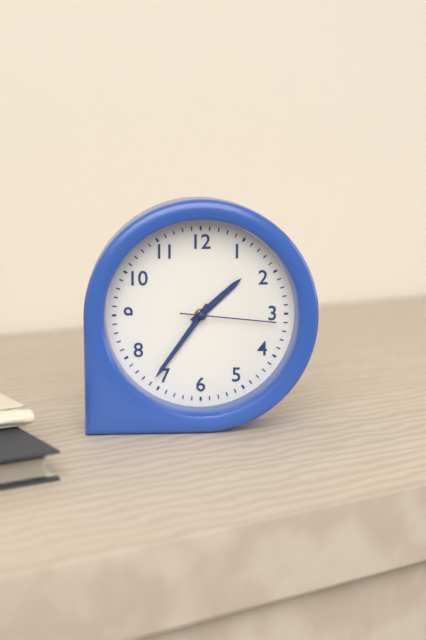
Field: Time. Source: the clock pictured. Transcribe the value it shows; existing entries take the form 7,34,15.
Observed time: 1,36,16
